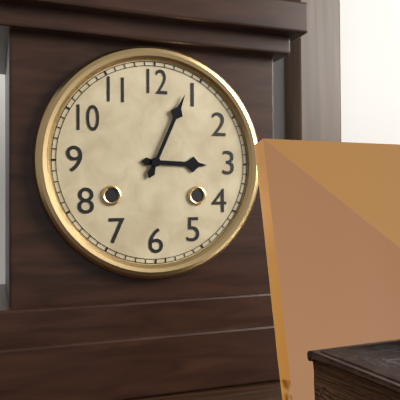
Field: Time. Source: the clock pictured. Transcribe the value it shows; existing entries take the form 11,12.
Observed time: 3,04
